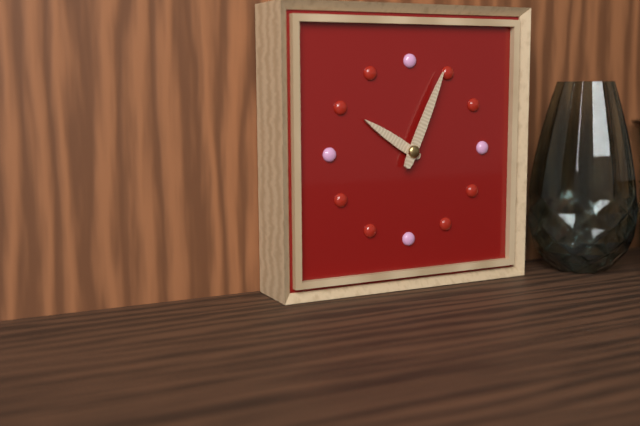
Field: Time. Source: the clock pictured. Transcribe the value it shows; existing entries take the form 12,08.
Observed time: 10,04
